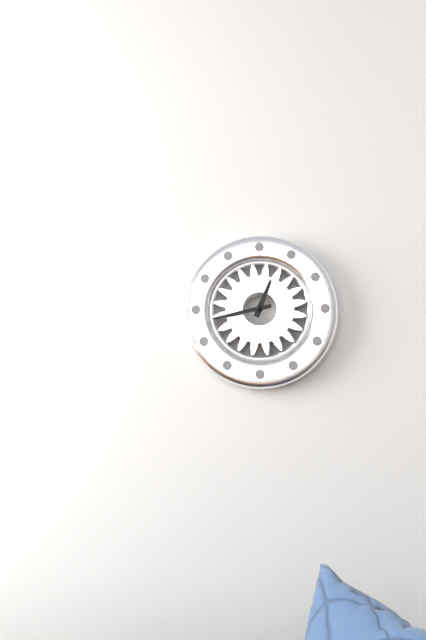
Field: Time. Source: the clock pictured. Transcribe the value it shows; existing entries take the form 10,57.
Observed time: 12,43
